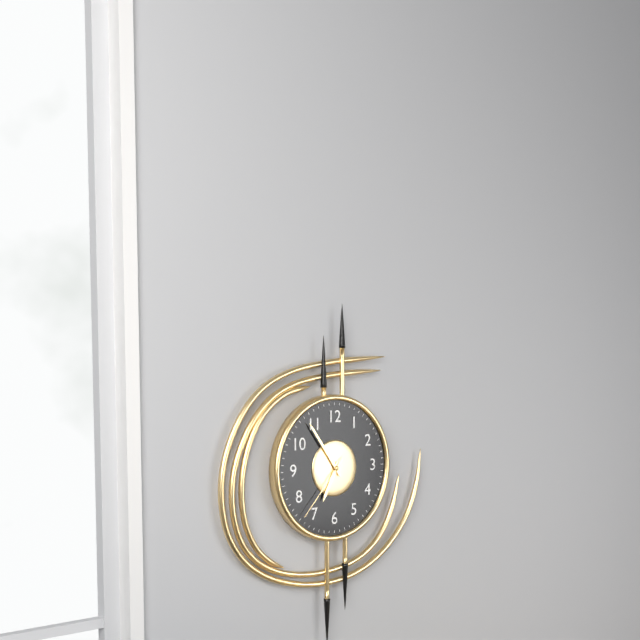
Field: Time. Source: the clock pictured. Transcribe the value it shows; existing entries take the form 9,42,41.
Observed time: 6,54,37
